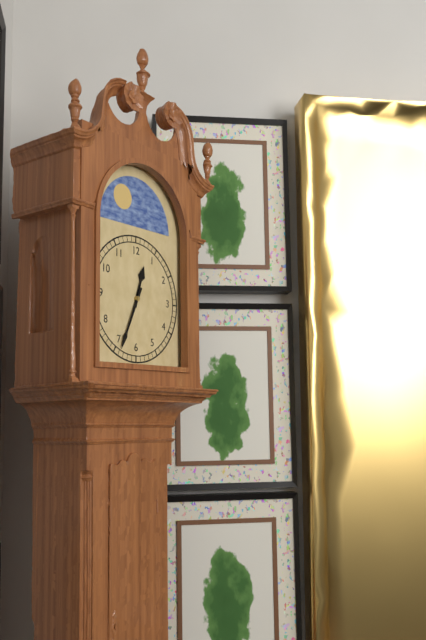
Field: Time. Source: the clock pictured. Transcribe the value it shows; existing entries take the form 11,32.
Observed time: 12,34
